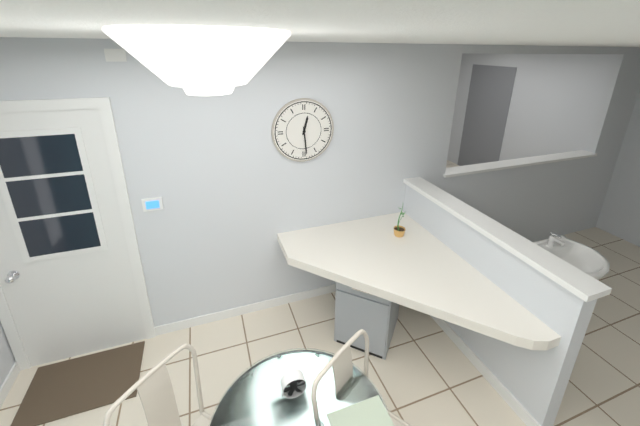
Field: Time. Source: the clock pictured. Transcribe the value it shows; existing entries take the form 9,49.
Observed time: 12,29
